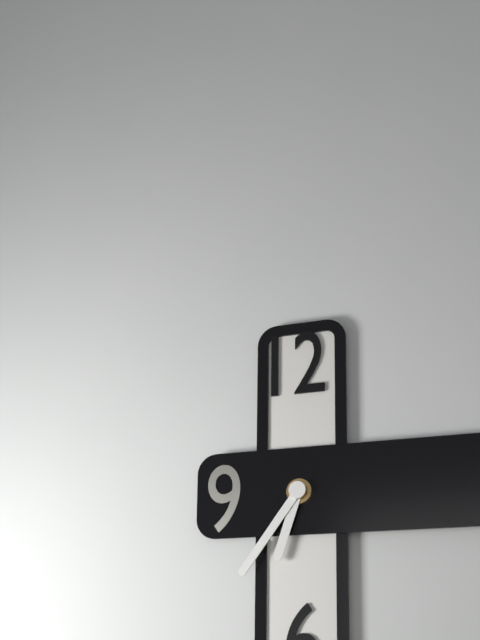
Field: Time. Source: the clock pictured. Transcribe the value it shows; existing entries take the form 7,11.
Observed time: 6,36
